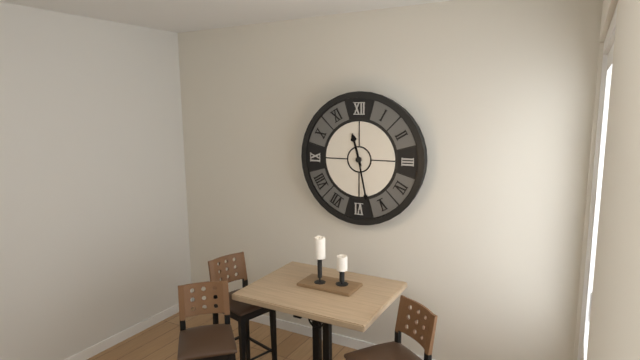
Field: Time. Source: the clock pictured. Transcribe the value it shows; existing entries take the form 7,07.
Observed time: 11,28
